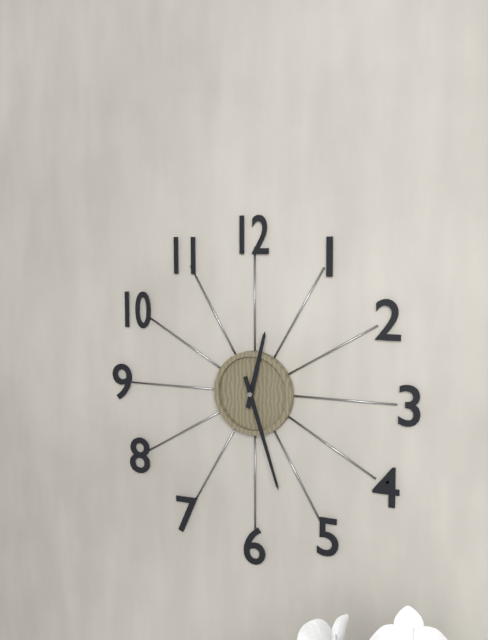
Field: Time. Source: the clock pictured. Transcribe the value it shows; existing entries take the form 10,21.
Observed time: 12,27
